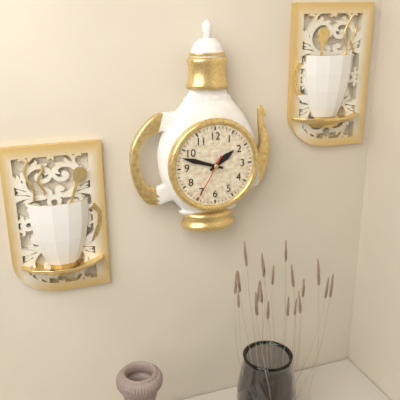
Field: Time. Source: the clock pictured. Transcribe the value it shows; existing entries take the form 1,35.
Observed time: 1,48
